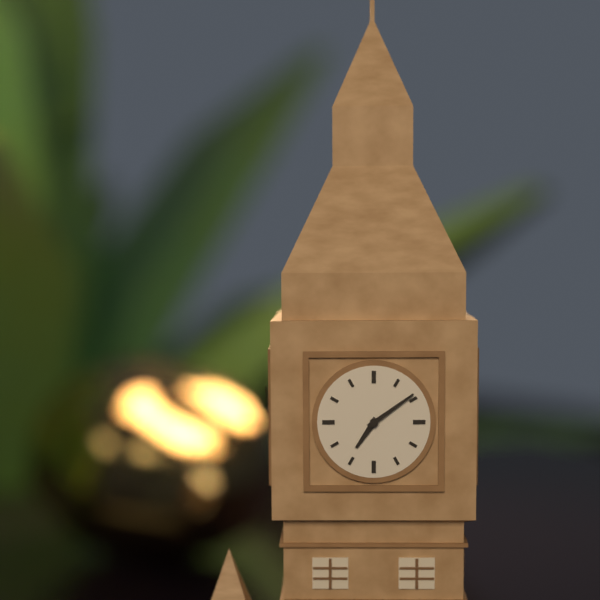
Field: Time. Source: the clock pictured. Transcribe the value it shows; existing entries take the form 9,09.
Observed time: 7,09
